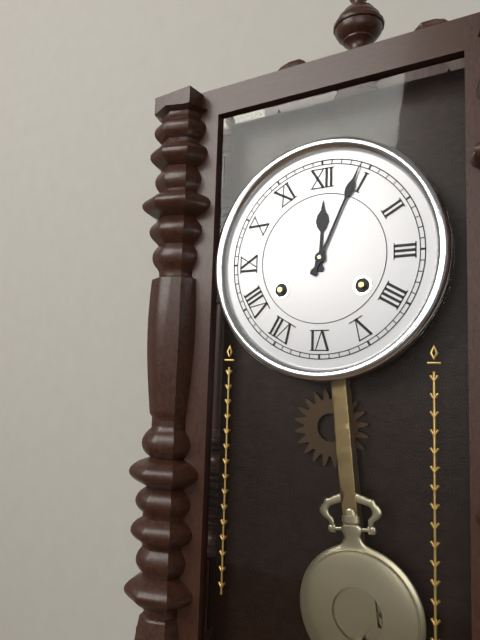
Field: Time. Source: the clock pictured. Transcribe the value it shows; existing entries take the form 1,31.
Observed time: 12,04
